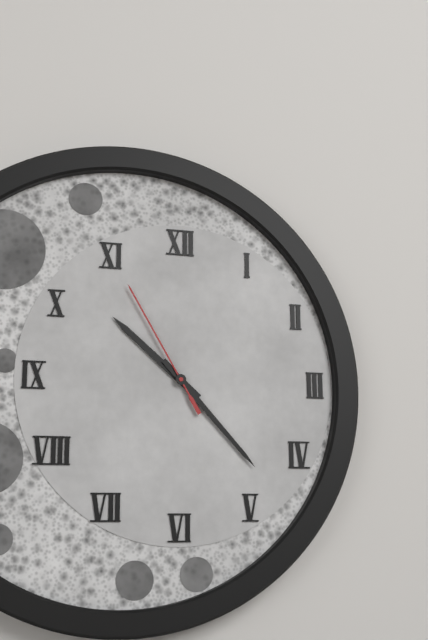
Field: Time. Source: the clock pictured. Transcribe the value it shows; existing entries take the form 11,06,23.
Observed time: 10,23,55
